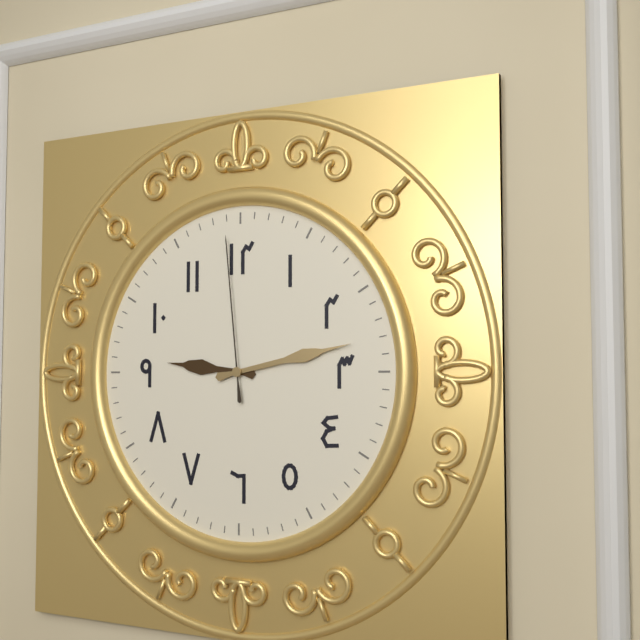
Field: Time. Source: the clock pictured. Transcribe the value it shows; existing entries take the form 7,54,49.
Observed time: 9,13,59
